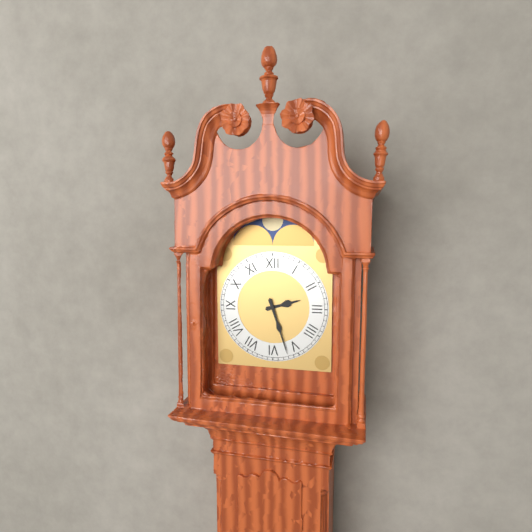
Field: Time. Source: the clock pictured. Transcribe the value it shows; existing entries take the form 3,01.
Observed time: 2,27
